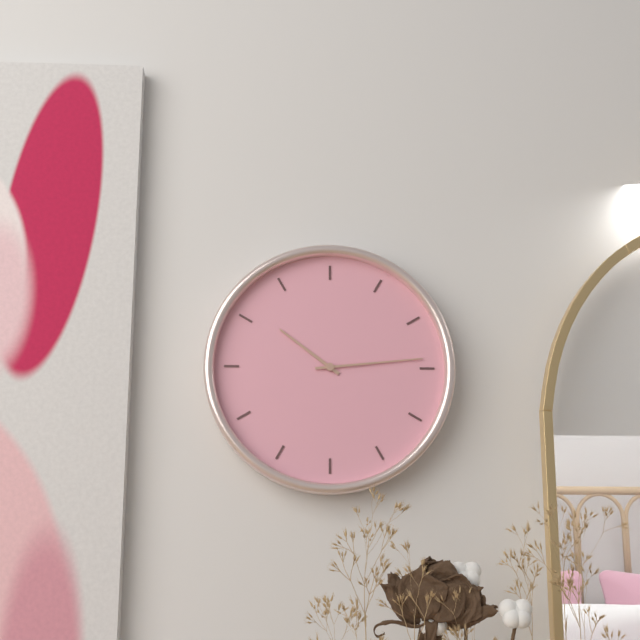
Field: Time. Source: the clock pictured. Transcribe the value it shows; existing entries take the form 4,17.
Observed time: 10,14
